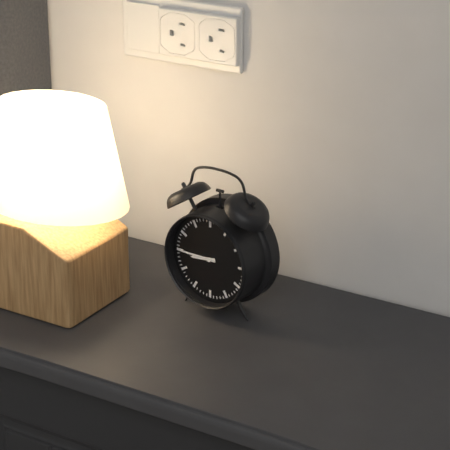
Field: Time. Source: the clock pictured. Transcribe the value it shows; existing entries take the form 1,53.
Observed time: 8,45
